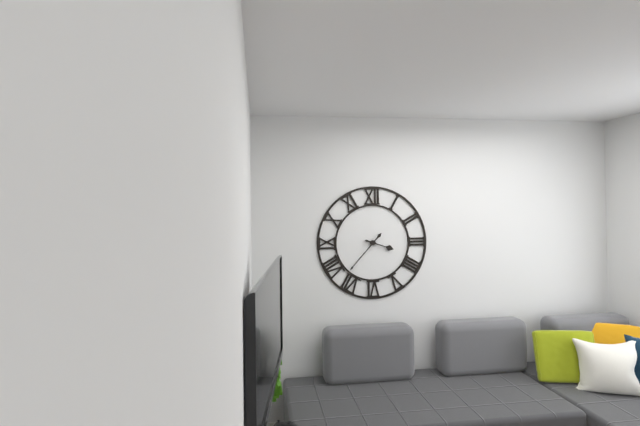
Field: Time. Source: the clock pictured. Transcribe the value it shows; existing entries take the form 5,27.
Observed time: 3,37
